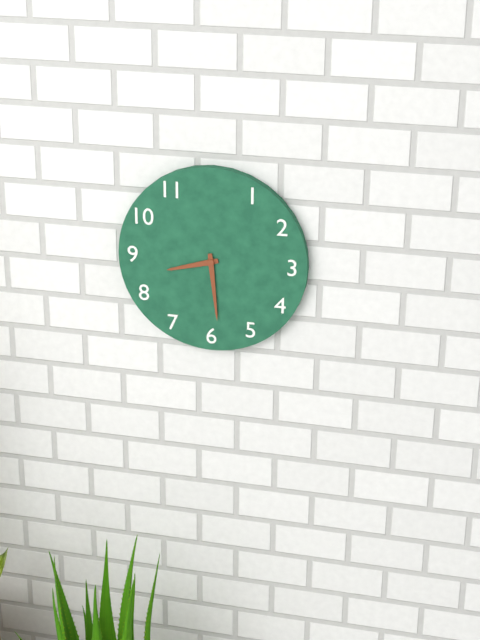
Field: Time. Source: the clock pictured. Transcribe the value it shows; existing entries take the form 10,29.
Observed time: 8,29
